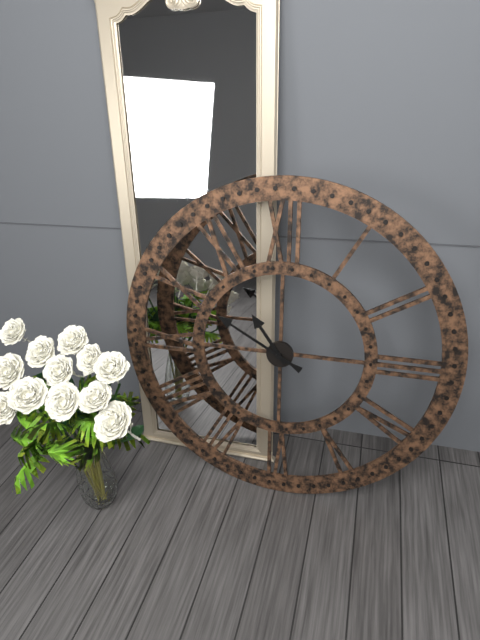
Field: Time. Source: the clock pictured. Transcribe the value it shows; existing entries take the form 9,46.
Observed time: 10,50
